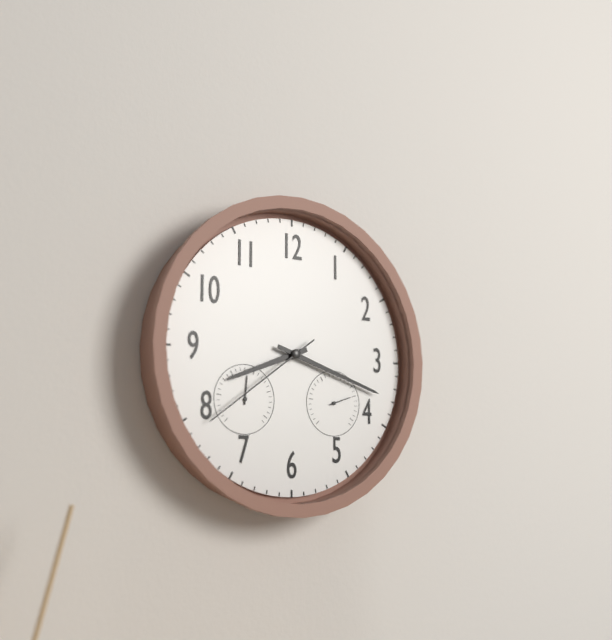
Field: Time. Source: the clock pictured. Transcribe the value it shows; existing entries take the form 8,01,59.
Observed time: 8,18,39
